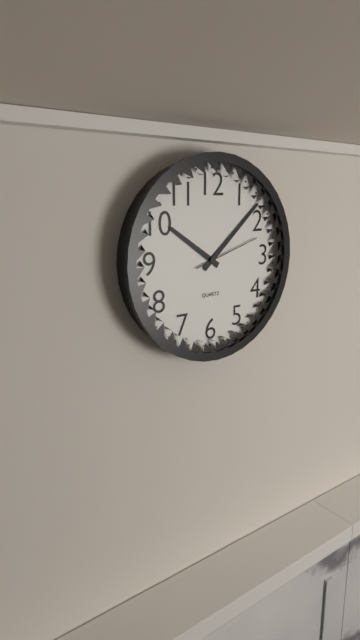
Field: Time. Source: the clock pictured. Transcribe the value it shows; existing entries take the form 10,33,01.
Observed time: 10,08,12
